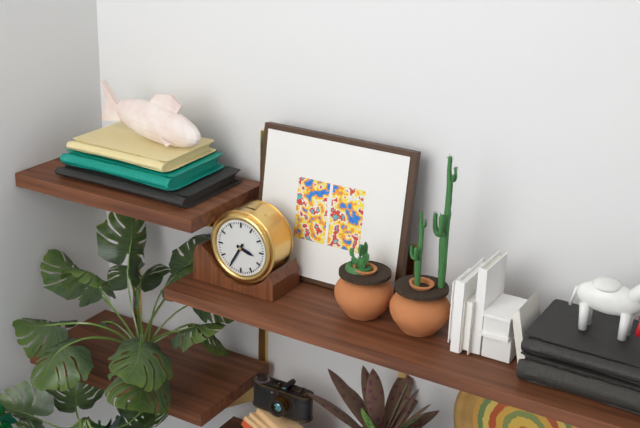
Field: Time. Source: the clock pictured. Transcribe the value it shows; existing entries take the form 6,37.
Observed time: 3,35
